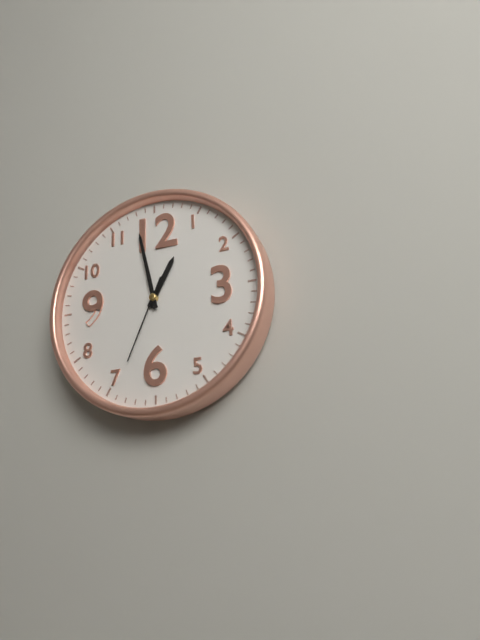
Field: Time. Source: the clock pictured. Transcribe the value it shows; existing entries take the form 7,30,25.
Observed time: 12,58,34
